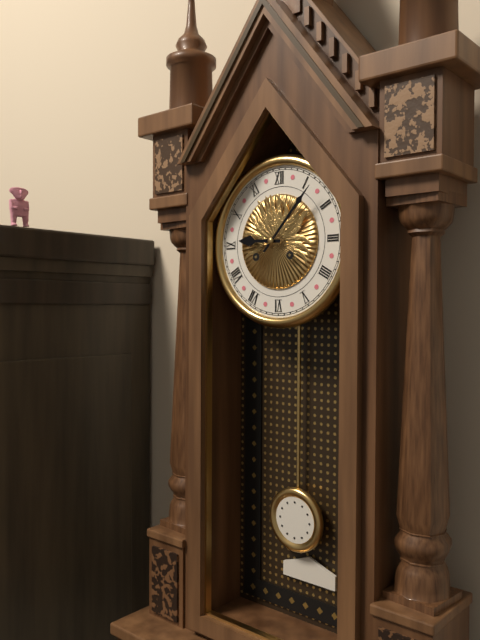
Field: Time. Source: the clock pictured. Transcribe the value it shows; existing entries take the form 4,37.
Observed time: 9,07
